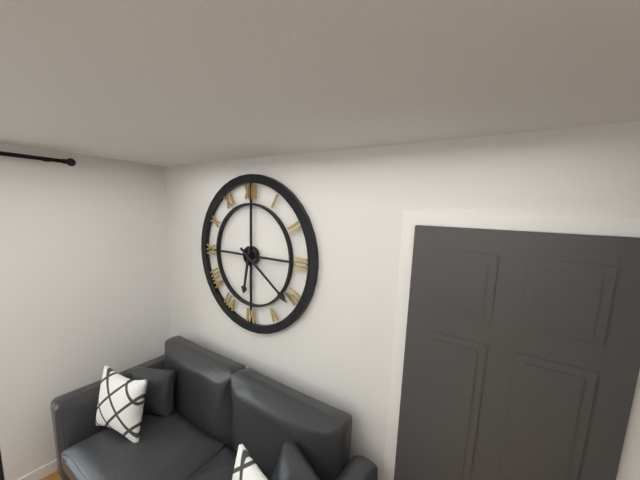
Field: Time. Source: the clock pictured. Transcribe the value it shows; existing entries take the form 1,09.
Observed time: 6,21
